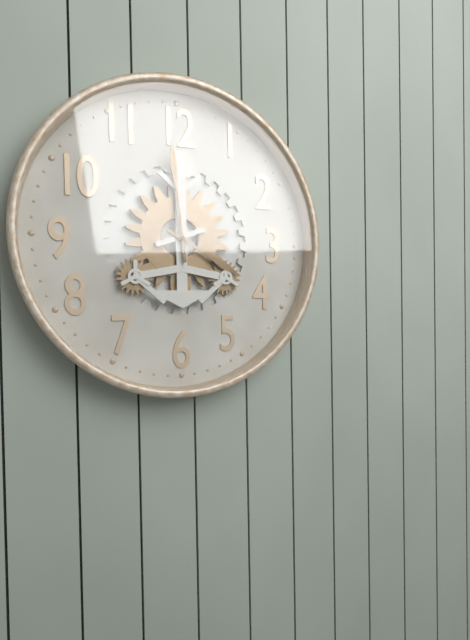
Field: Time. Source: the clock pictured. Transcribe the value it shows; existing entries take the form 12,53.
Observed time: 3,59
